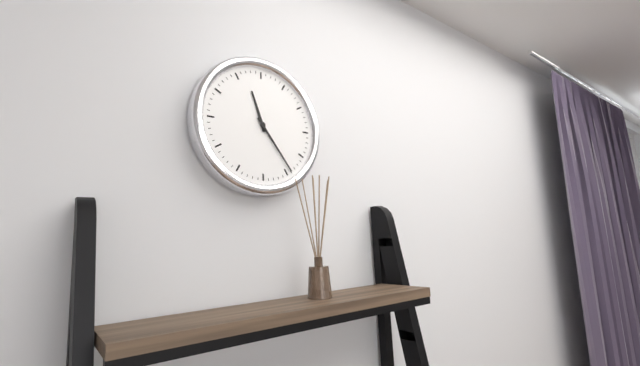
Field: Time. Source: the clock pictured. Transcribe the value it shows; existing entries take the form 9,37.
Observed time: 11,24
